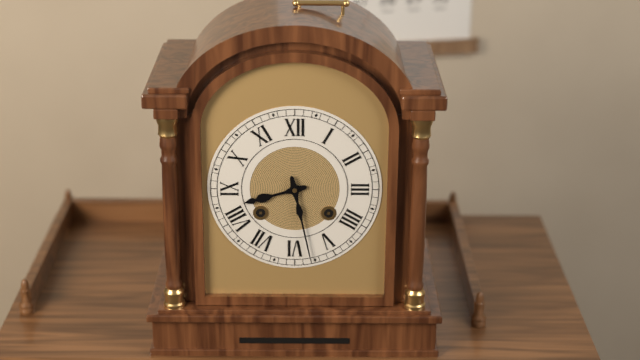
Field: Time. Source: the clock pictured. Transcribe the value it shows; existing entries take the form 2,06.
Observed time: 8,28
